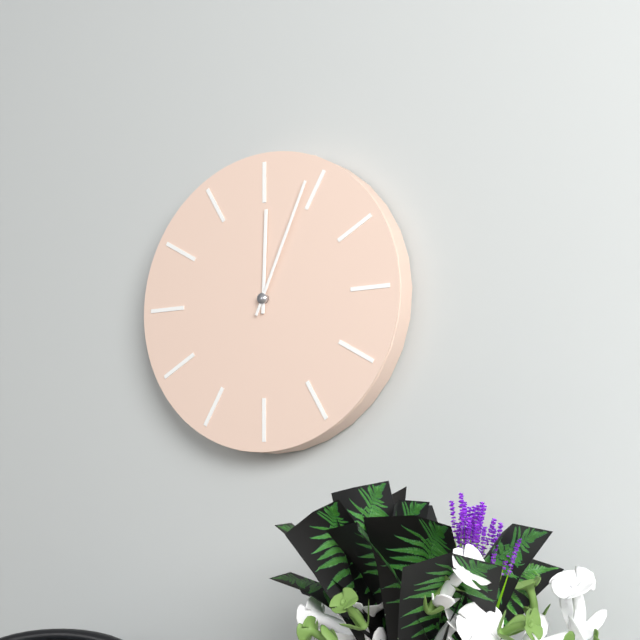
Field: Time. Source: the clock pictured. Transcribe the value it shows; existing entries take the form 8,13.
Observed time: 12,04
